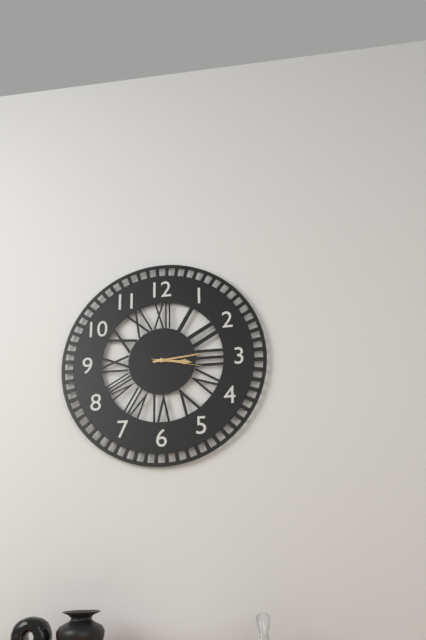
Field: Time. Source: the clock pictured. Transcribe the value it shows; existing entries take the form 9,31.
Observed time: 3,14
